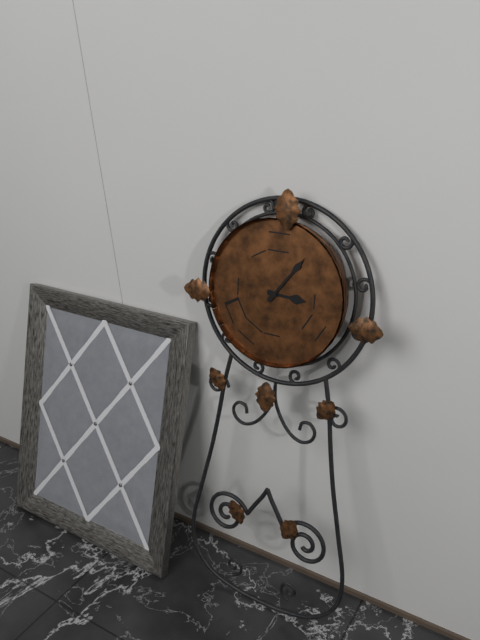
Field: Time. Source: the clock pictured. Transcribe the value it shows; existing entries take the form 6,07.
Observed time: 3,06
